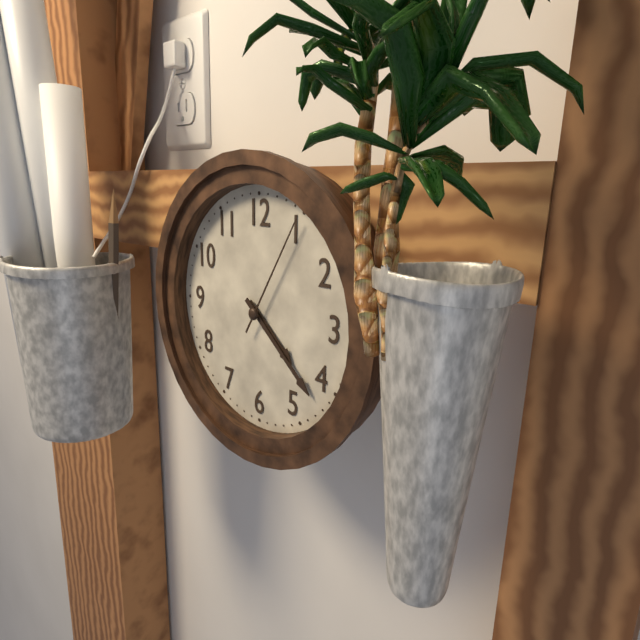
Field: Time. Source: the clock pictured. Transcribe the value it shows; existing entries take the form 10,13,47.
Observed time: 4,22,05
